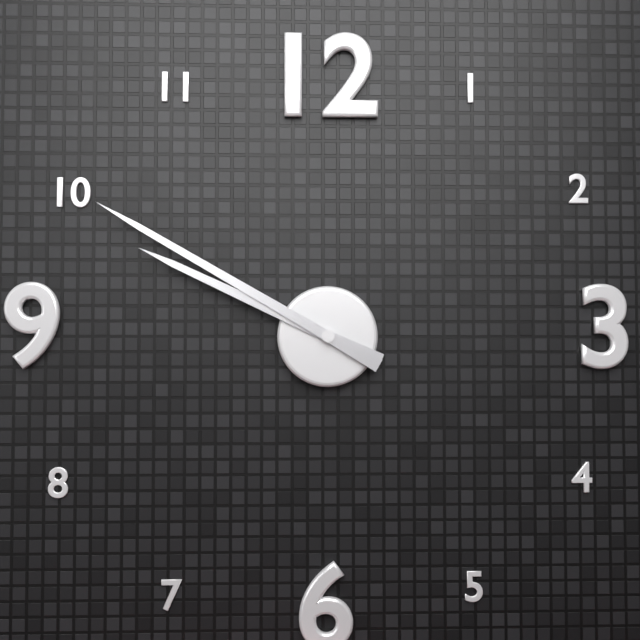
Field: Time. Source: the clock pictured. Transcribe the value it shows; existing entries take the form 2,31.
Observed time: 9,50
